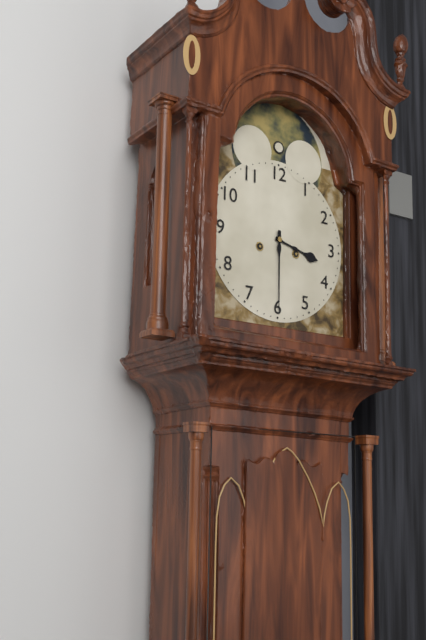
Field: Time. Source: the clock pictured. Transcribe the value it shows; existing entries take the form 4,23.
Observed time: 3,30
